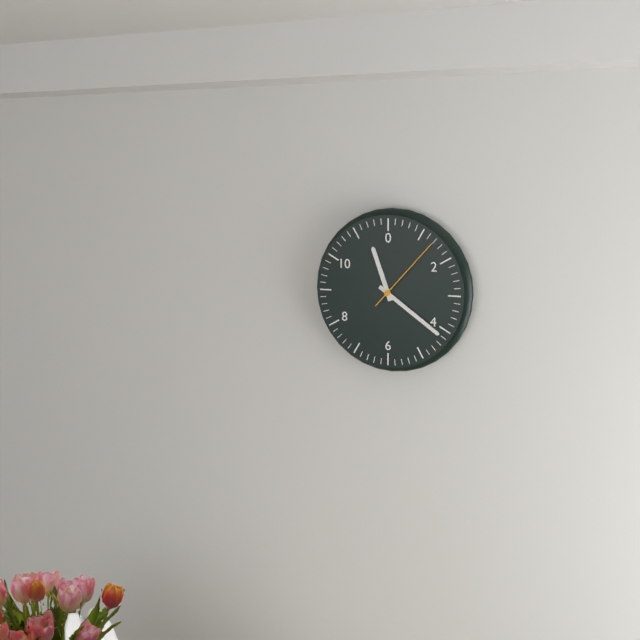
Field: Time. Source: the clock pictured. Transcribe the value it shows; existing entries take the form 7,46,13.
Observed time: 11,21,07
